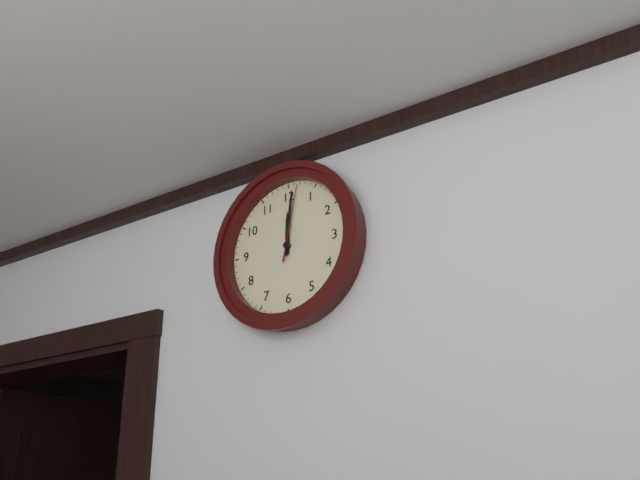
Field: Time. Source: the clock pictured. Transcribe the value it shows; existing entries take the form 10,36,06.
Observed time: 12,01,02
